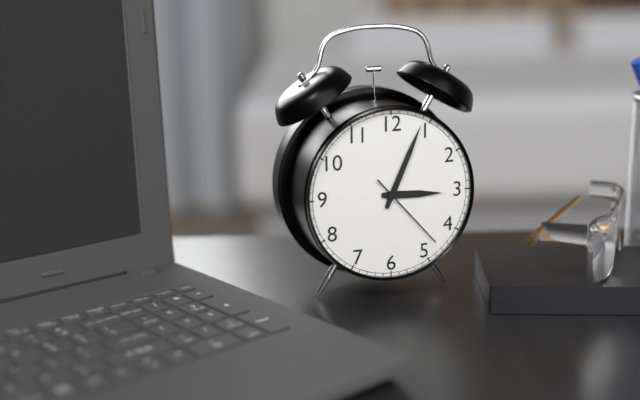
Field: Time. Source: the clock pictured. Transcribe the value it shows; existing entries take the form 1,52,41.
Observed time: 3,04,23
